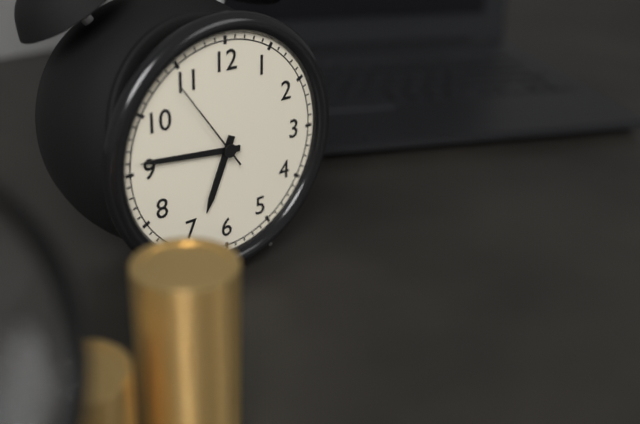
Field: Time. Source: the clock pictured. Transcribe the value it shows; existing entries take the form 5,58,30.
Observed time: 6,46,54
